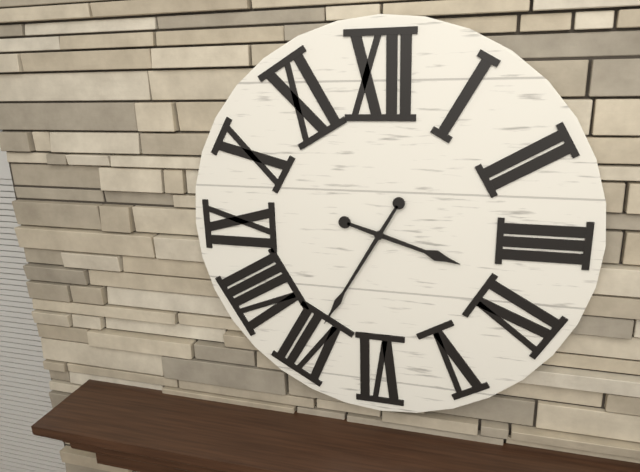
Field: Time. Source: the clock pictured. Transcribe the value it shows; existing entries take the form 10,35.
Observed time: 3,35
